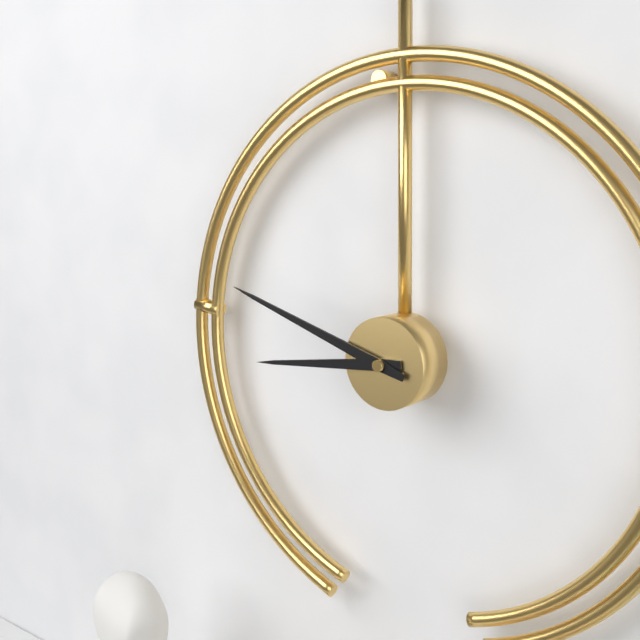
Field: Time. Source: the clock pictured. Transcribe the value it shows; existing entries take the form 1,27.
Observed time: 8,48
